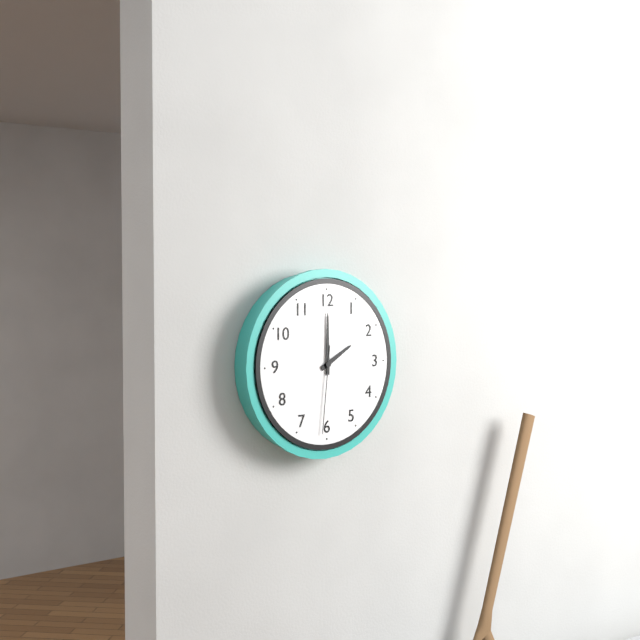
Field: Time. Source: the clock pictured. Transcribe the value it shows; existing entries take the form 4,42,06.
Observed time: 2,00,31
